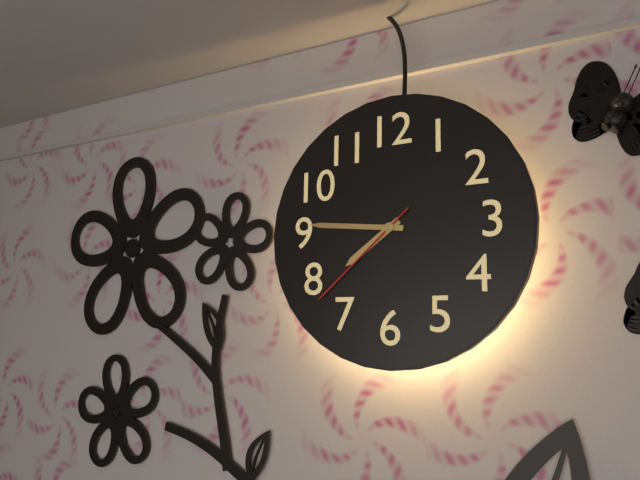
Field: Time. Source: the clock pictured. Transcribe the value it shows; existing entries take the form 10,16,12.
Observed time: 7,46,38
